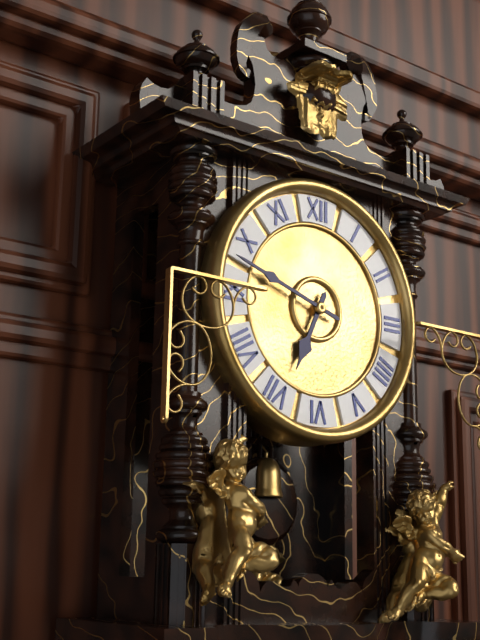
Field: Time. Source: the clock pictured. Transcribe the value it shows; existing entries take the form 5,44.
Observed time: 6,48
